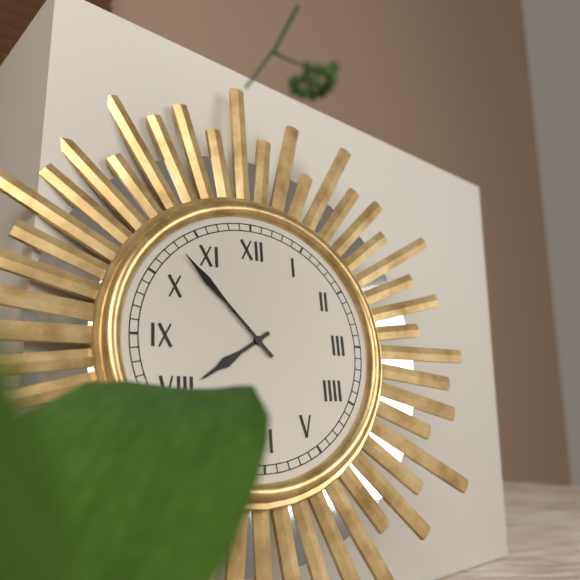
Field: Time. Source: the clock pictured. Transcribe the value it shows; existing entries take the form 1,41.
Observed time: 7,53
